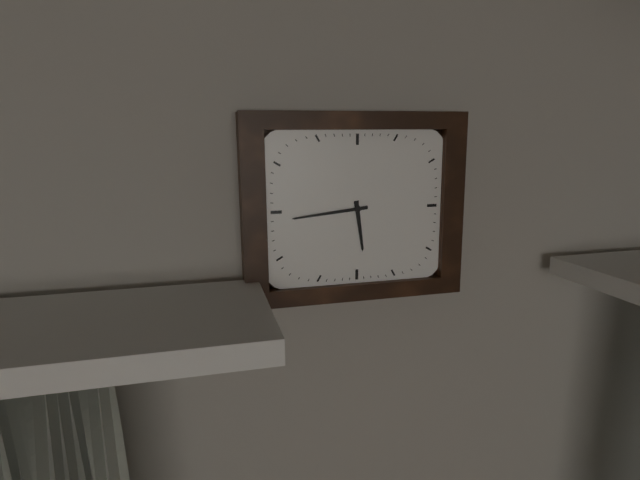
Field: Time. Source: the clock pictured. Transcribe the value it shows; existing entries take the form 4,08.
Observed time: 5,44
